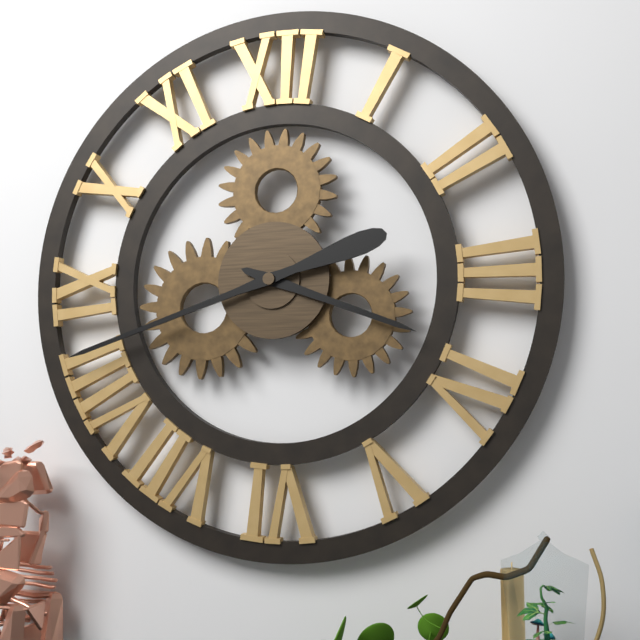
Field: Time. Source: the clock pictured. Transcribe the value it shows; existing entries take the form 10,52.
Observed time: 3,42
